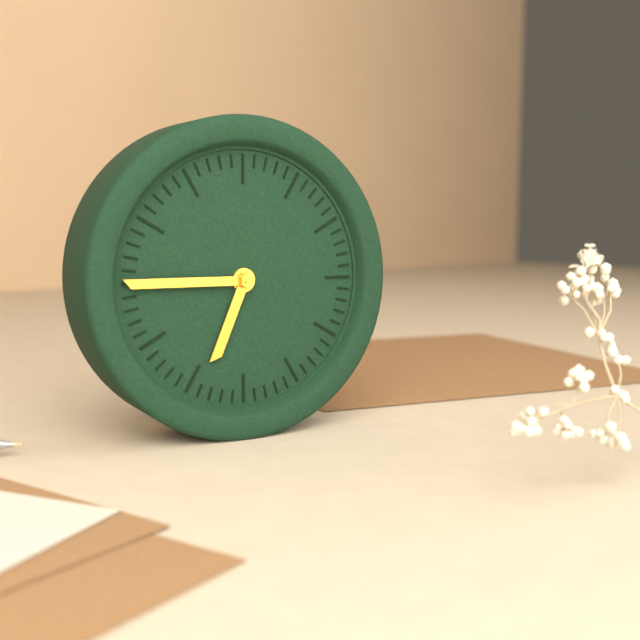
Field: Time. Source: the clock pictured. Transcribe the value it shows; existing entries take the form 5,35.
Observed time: 6,45
